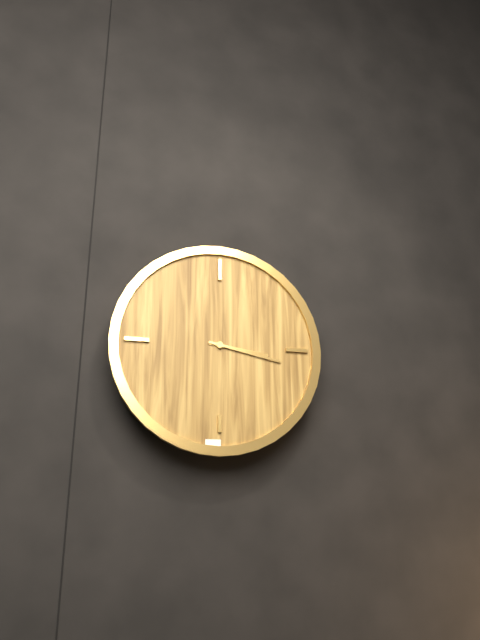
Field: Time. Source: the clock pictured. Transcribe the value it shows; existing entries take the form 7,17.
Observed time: 3,17
